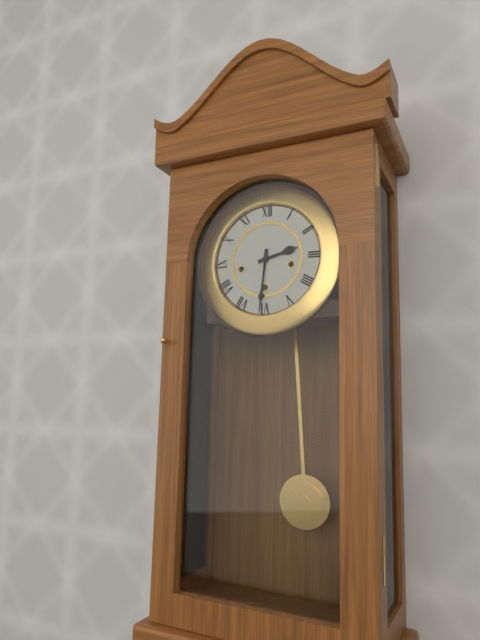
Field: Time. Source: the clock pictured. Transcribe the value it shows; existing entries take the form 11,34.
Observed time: 2,31
